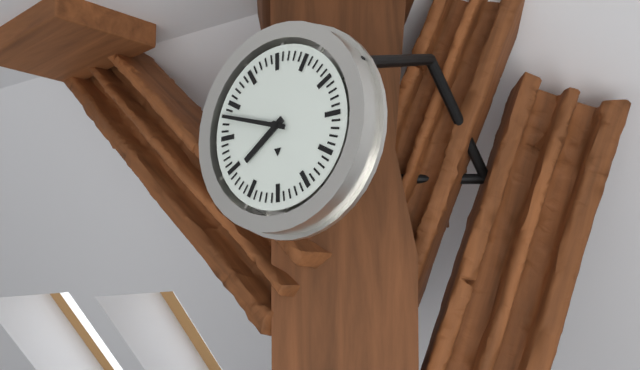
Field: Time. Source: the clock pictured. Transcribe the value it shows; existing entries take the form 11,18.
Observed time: 7,48
